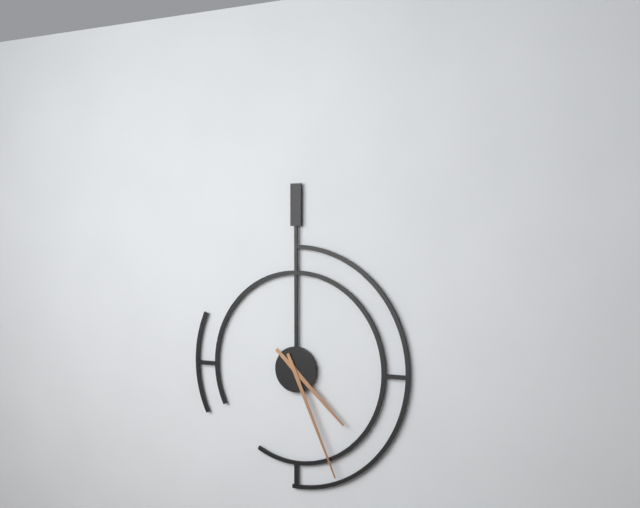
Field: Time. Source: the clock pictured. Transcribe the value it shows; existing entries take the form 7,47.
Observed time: 4,26
